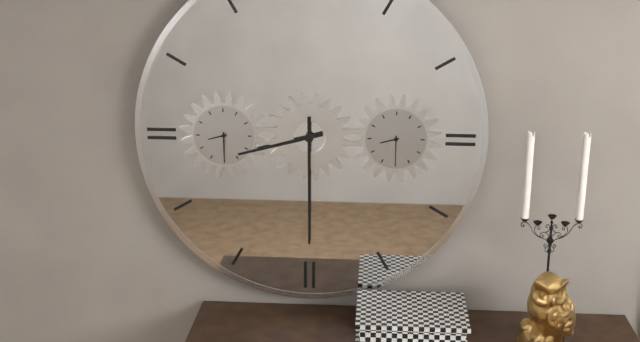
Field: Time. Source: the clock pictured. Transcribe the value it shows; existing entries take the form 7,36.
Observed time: 8,30
